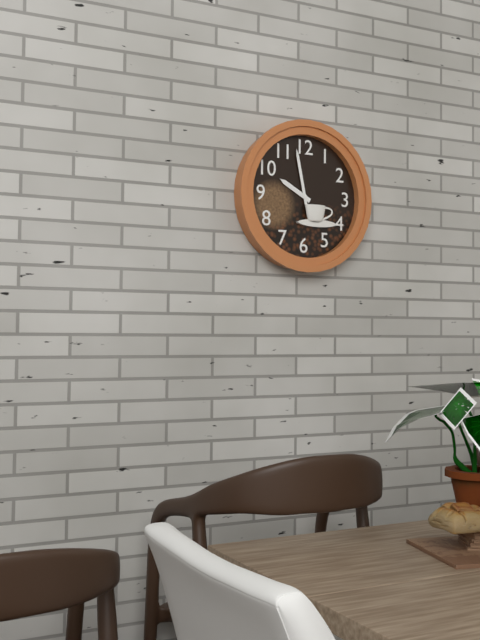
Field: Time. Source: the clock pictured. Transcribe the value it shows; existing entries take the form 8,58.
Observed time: 9,58
